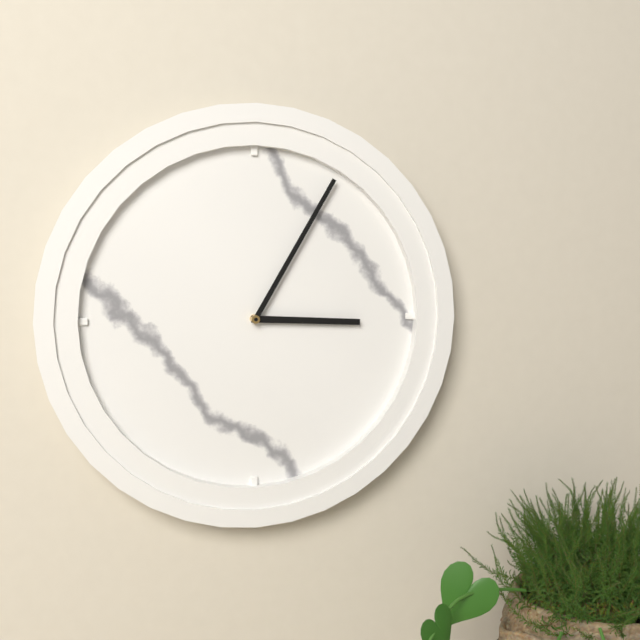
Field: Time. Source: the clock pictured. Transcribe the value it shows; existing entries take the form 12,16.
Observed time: 3,05
